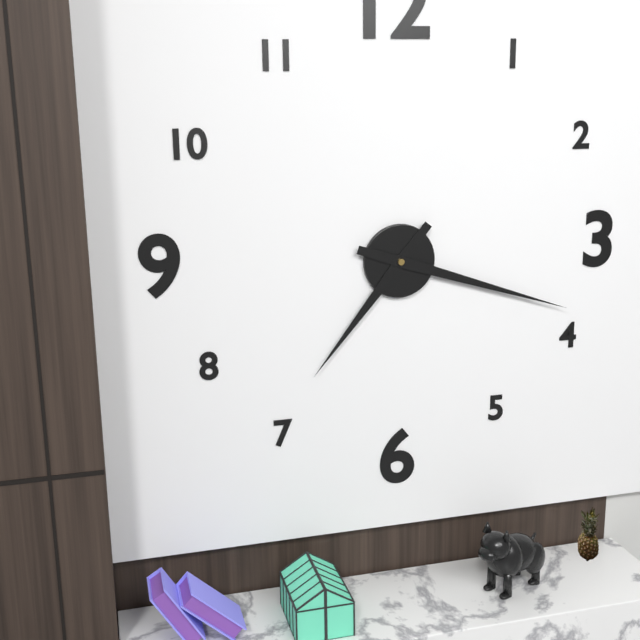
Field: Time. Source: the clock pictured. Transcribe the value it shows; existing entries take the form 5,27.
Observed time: 7,18
